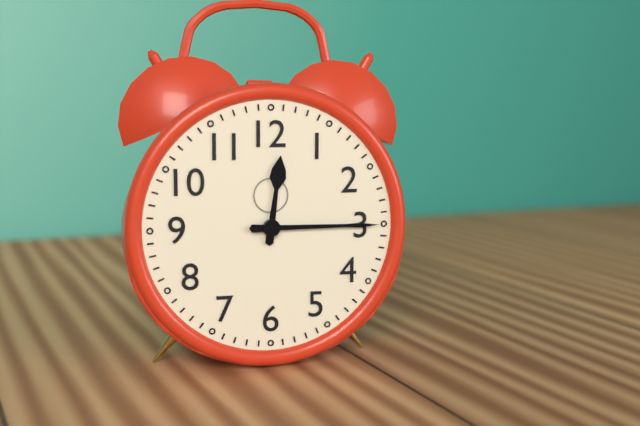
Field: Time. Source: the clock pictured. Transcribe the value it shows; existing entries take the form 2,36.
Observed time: 12,15
